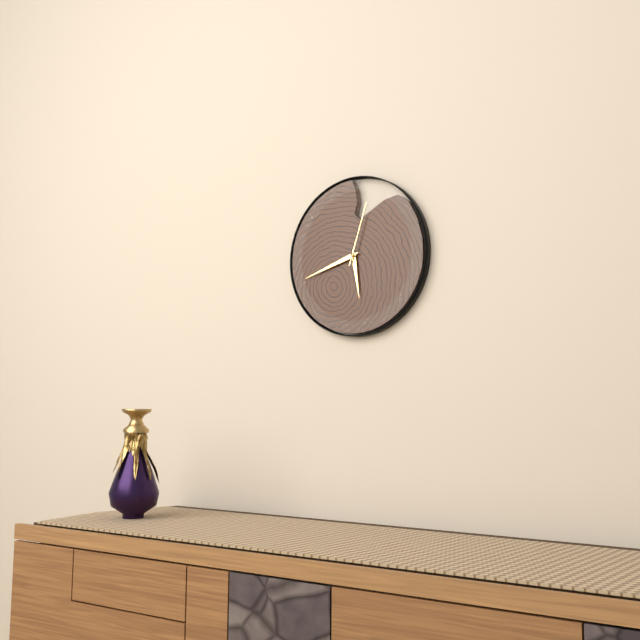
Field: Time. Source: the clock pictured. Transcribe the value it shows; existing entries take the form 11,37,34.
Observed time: 5,42,03
